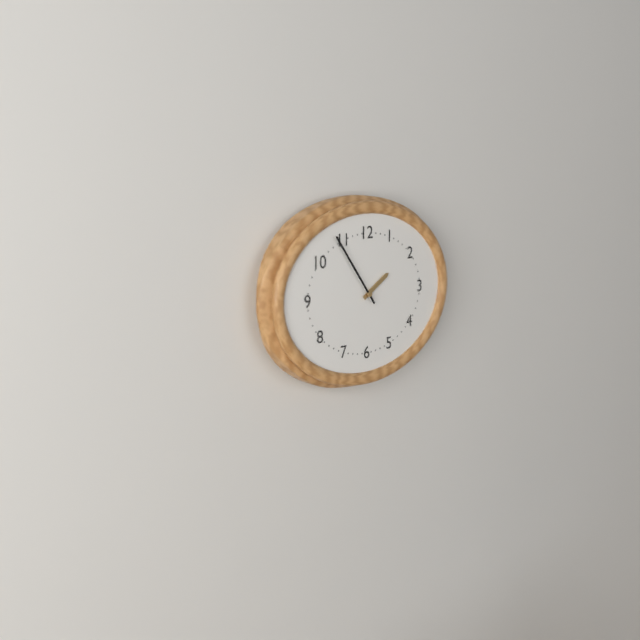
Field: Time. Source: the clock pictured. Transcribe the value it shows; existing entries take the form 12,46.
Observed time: 1,54
